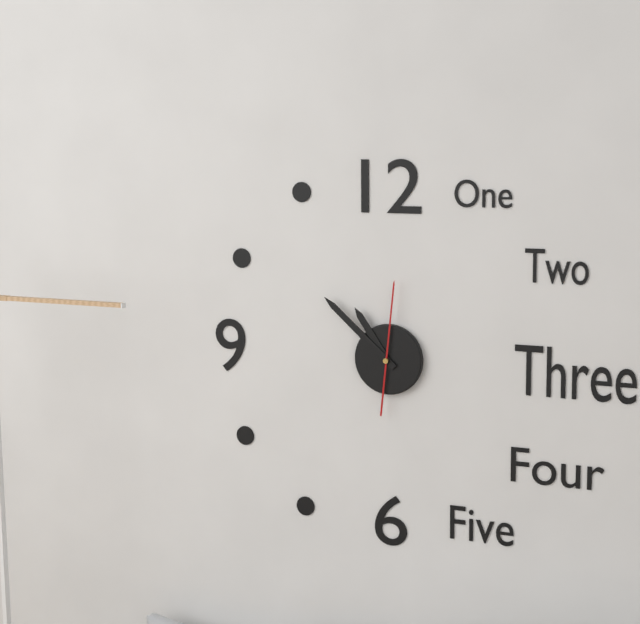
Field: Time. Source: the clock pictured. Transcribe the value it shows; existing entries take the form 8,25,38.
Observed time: 10,52,01
